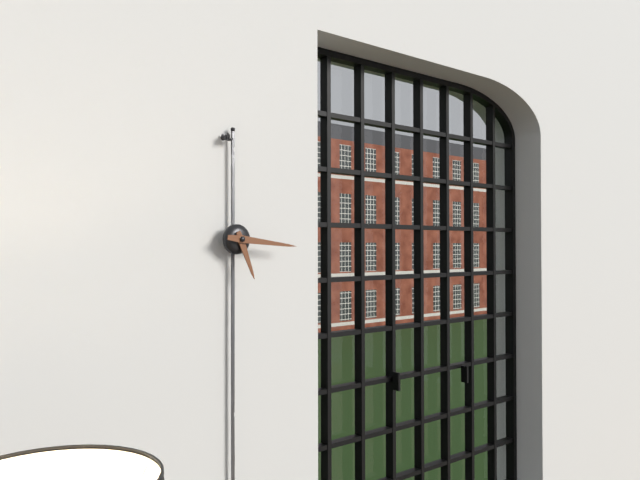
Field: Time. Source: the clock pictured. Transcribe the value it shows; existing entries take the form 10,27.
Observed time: 5,16
